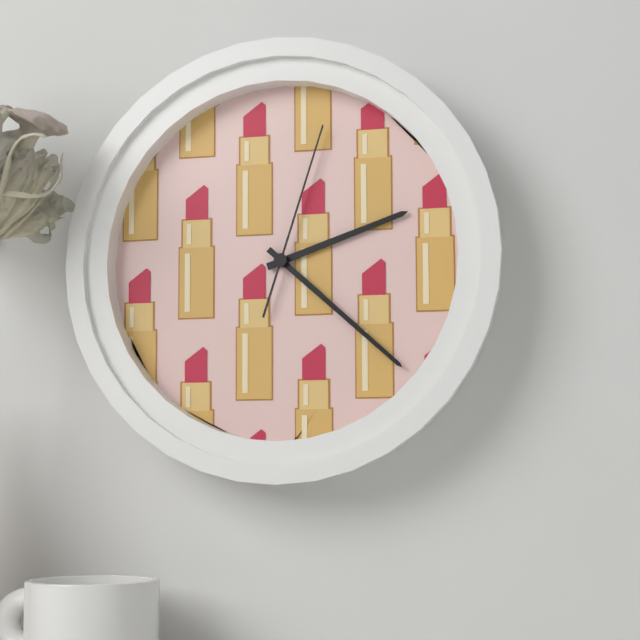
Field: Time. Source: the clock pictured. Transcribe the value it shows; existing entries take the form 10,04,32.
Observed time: 2,22,03
